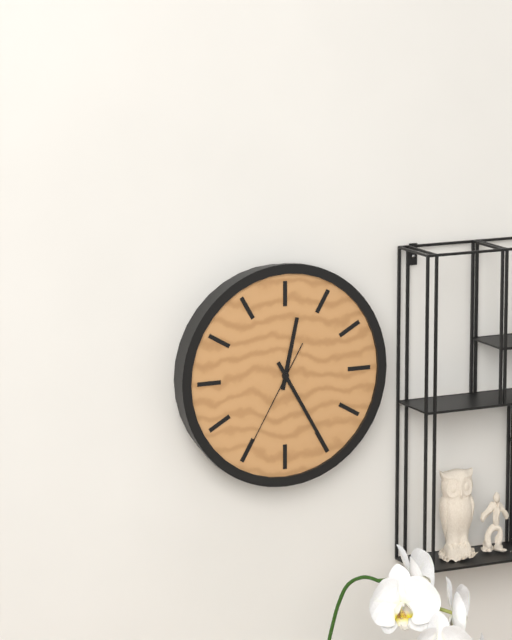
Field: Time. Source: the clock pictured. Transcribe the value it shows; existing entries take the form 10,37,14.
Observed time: 12,25,35
